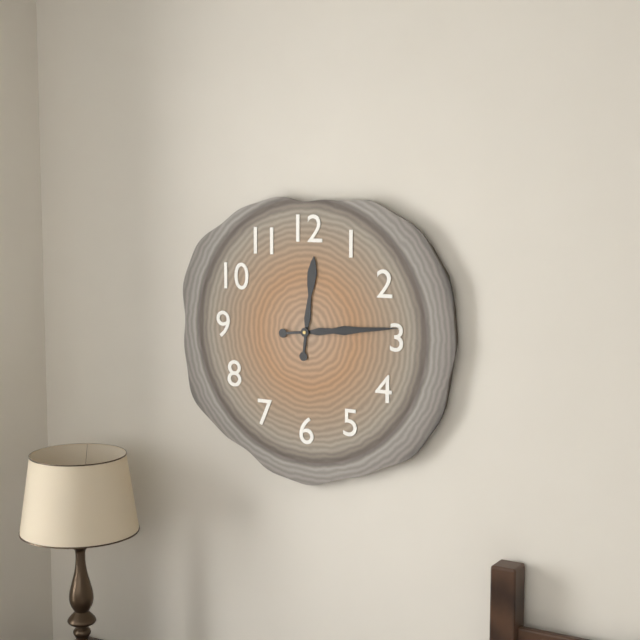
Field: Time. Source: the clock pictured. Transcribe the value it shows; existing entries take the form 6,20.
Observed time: 12,14
